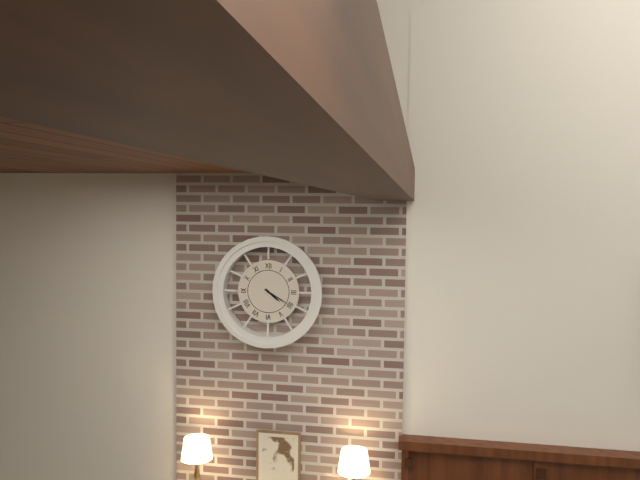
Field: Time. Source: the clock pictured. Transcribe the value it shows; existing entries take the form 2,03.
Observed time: 4,20
